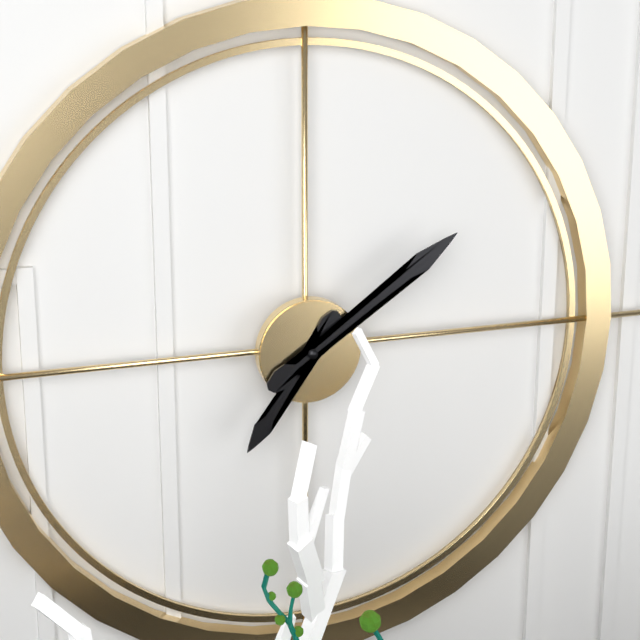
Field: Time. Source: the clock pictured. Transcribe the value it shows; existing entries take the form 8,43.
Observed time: 7,09
